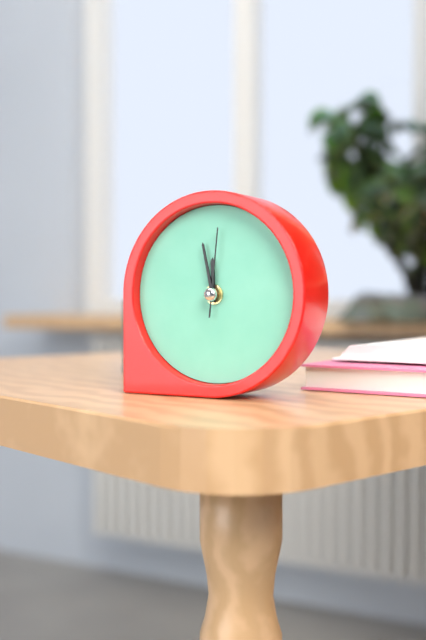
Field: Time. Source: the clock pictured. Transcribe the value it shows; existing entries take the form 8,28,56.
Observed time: 11,58,01
